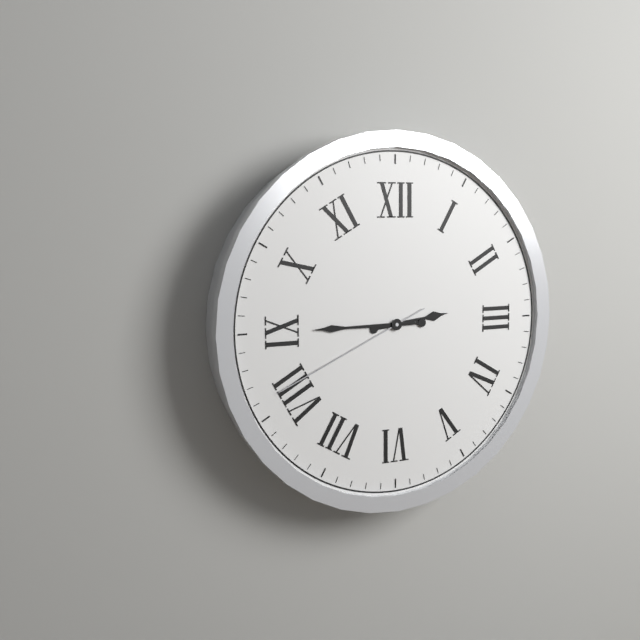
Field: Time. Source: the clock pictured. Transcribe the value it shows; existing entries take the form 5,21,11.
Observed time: 2,45,41
